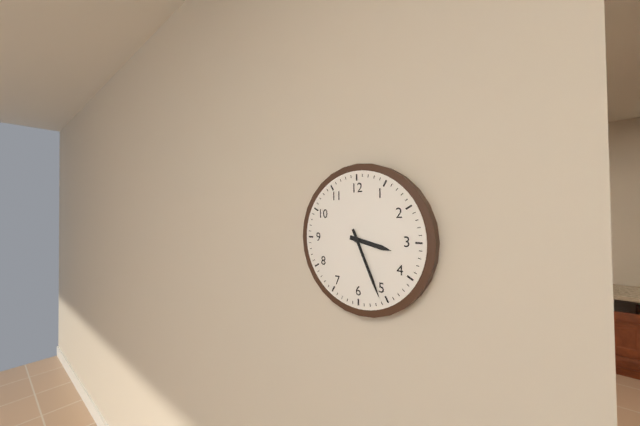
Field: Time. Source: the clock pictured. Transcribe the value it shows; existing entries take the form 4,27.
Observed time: 3,26
